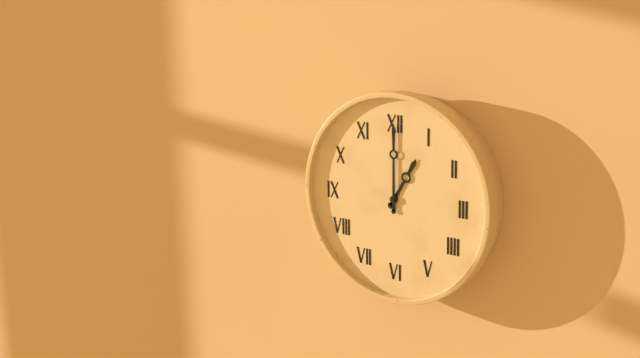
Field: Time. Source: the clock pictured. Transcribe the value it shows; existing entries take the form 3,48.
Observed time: 1,00
